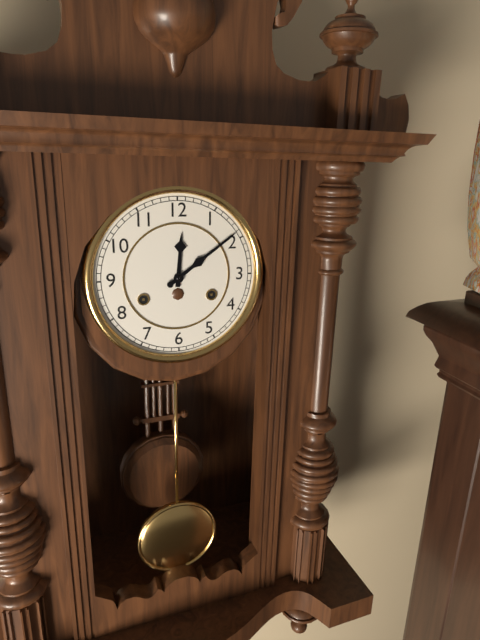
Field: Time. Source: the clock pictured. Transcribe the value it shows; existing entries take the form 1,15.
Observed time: 12,09
